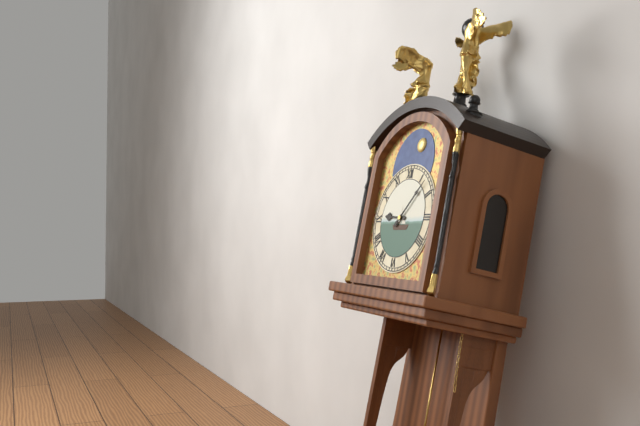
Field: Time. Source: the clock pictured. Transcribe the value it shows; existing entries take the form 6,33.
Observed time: 9,07
